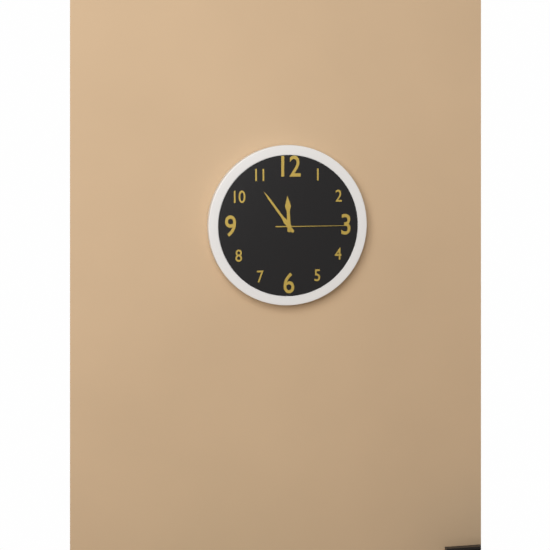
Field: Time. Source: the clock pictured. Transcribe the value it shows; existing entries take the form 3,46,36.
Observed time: 11,54,15
